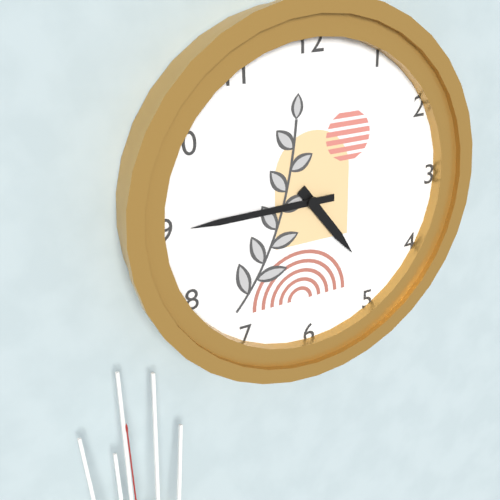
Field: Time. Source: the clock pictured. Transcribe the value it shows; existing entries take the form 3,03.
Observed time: 4,45
